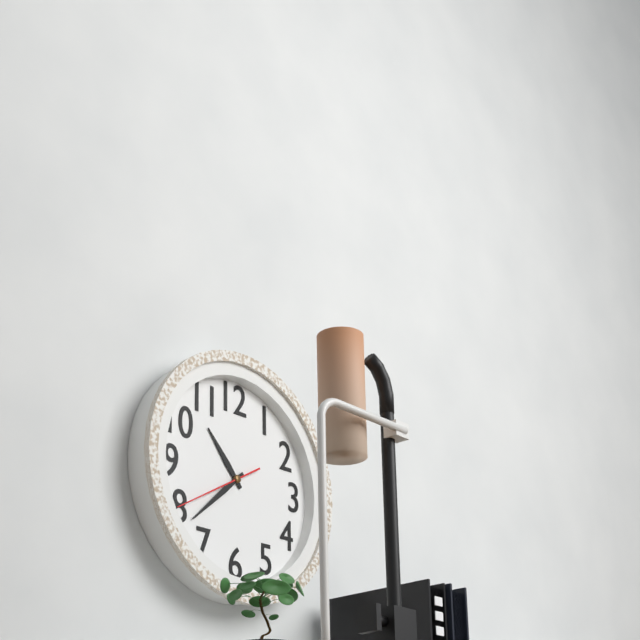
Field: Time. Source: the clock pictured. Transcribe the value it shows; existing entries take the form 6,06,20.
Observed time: 10,38,40
